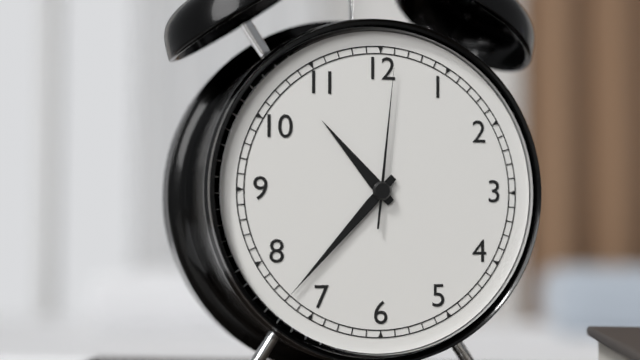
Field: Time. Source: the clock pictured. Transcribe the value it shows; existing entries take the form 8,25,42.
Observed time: 10,37,01
